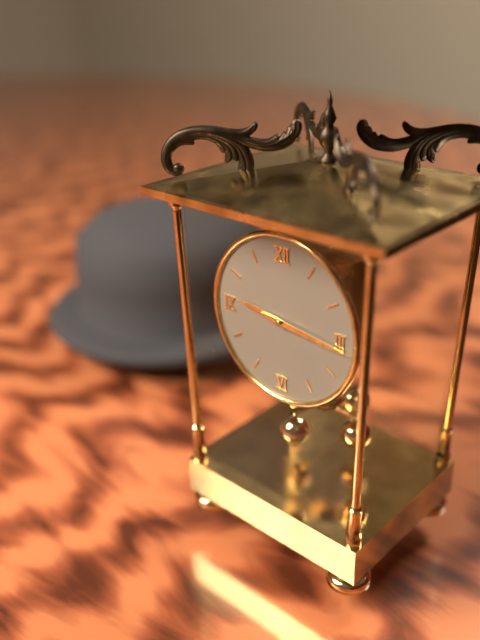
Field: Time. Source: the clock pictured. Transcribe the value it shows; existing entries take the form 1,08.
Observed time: 9,16
